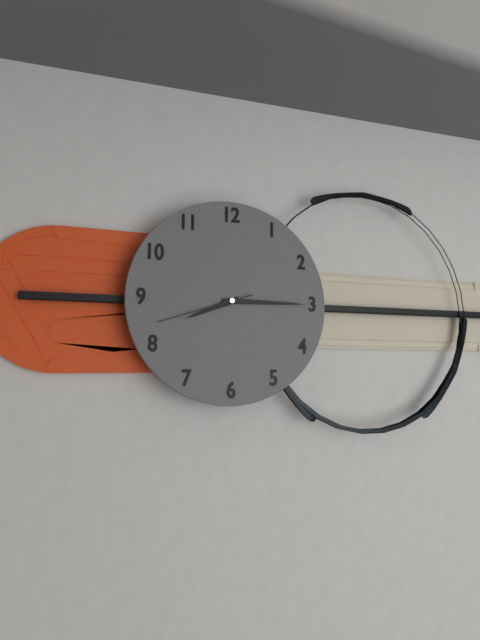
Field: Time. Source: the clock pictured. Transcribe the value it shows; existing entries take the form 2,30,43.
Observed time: 8,15,42
